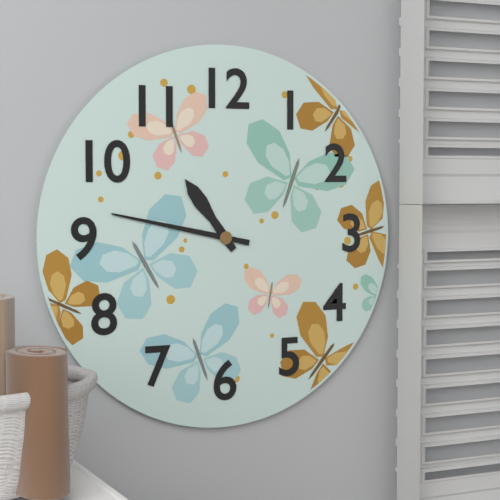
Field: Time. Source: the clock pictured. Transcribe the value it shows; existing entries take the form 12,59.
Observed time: 10,47
